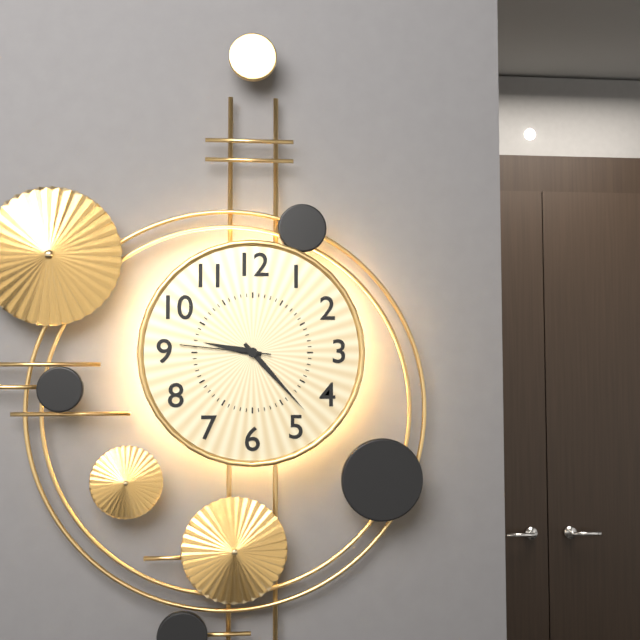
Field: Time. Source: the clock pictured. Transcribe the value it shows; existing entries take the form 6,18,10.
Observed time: 9,23,46
